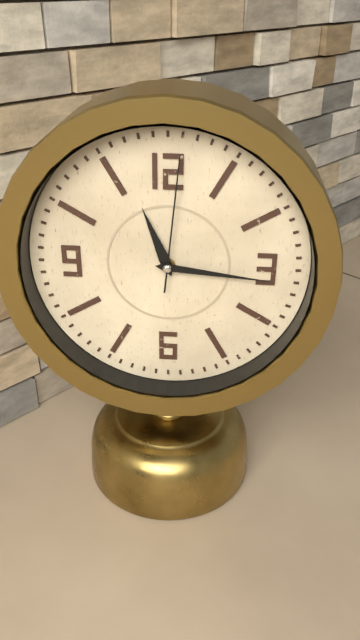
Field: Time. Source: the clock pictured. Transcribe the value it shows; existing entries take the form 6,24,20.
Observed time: 11,16,01
